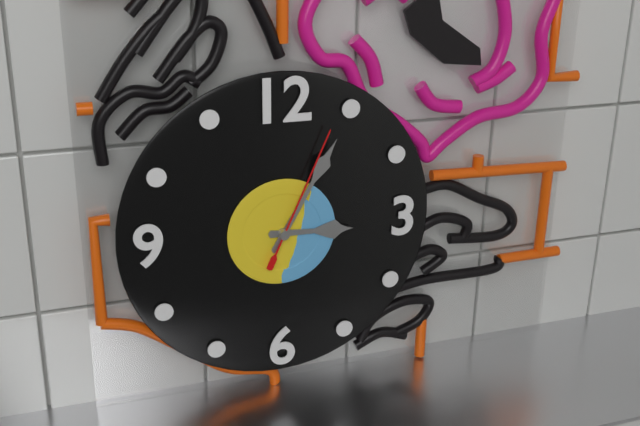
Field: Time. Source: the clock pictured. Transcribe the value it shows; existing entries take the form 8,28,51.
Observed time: 3,05,04
